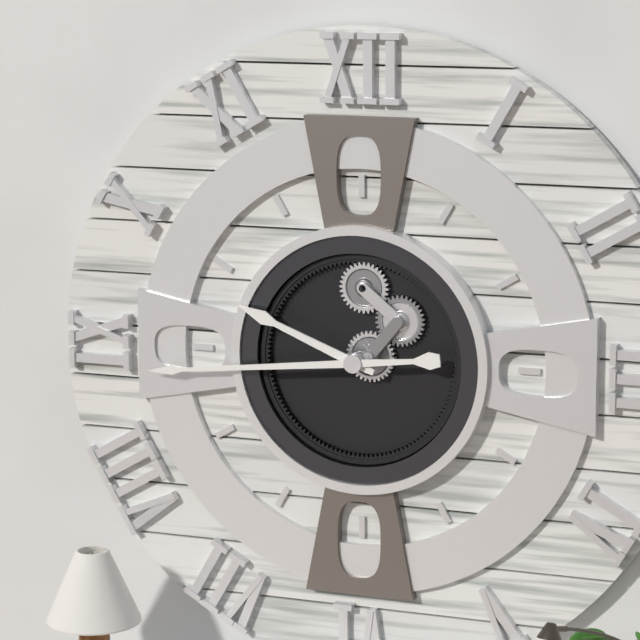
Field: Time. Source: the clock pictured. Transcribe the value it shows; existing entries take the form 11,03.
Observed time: 9,44
